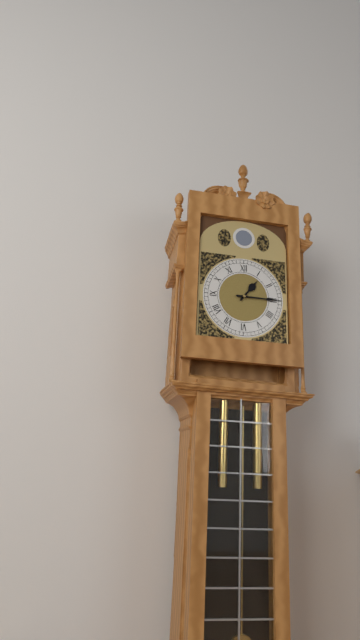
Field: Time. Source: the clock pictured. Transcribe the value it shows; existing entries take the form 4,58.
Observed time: 1,15
